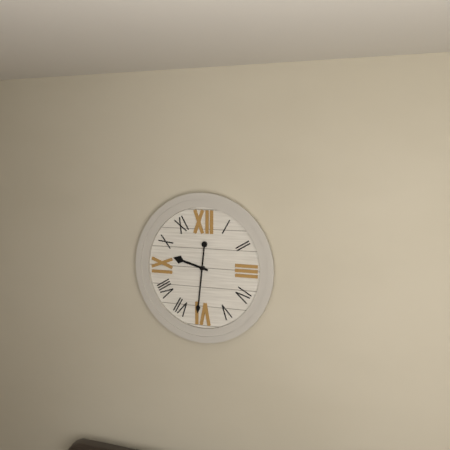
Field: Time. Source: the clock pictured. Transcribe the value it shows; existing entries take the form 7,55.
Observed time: 9,31
